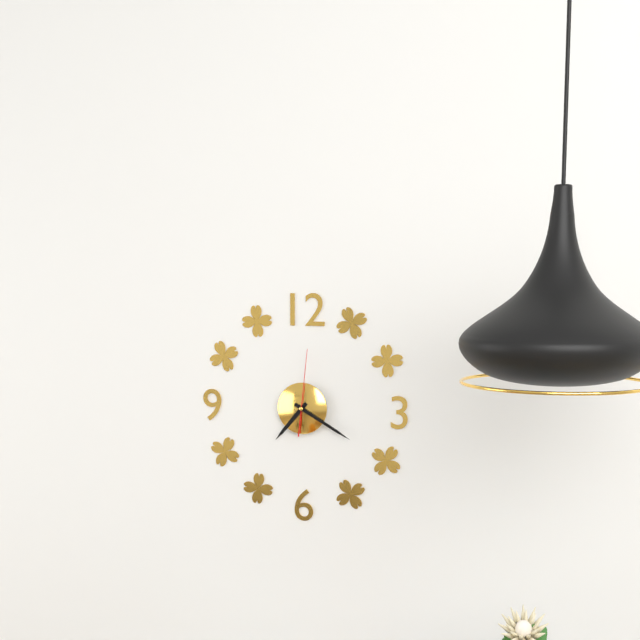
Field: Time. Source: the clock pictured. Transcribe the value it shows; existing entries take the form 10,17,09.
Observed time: 7,20,01
